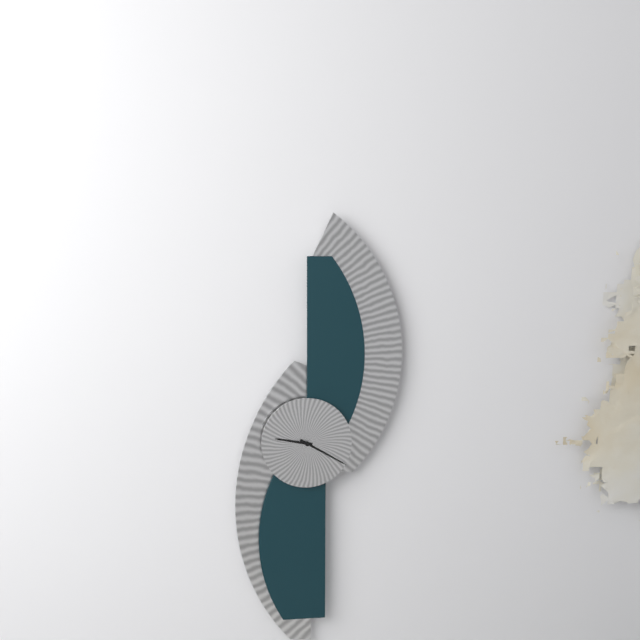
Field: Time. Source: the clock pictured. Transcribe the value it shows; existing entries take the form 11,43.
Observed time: 9,20
